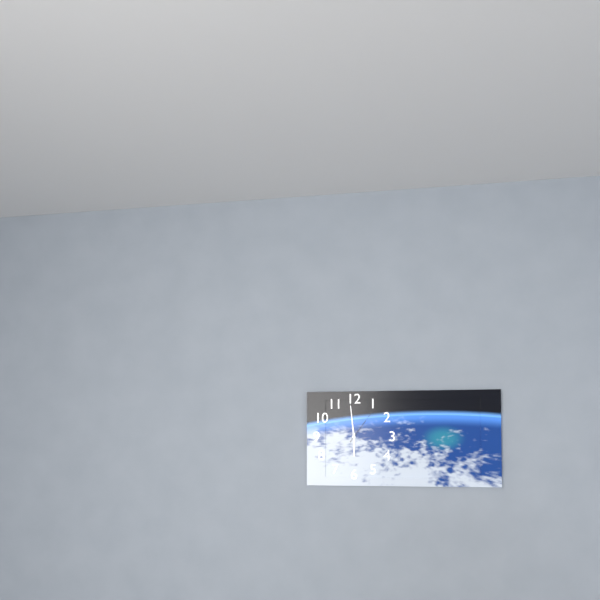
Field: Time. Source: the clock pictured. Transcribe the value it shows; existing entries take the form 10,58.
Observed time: 5,59
